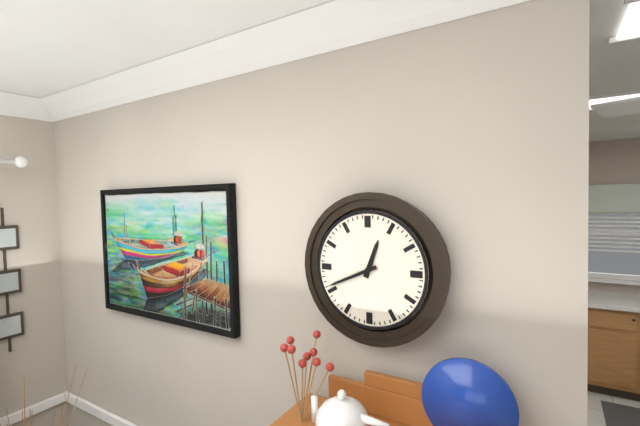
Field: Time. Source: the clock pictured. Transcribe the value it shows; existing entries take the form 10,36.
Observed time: 12,41
